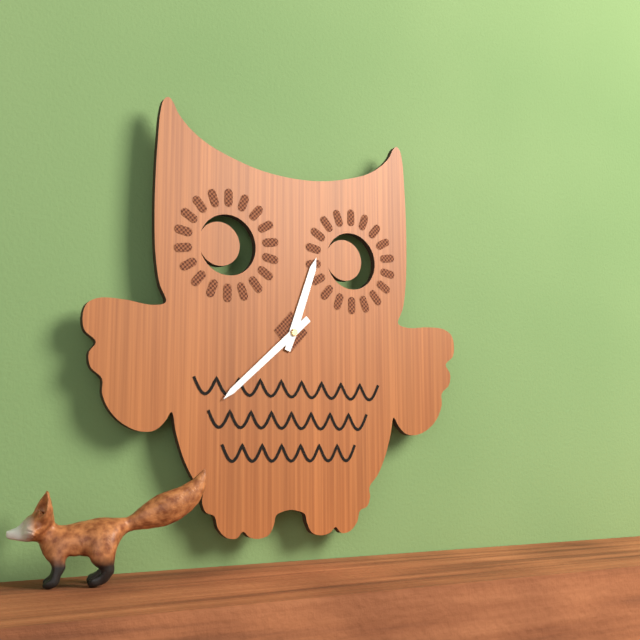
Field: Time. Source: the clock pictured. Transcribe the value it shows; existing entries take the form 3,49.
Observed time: 12,38
